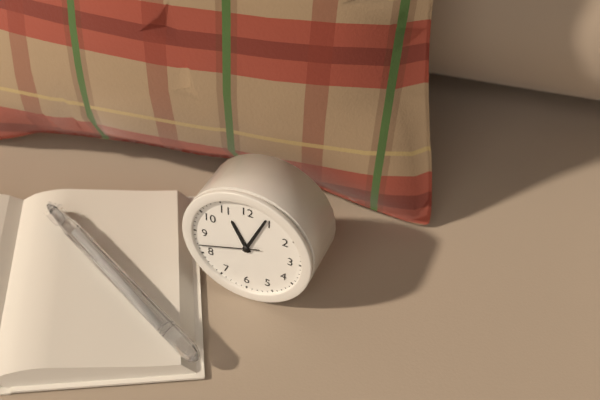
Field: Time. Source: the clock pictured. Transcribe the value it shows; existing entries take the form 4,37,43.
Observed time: 11,04,42
